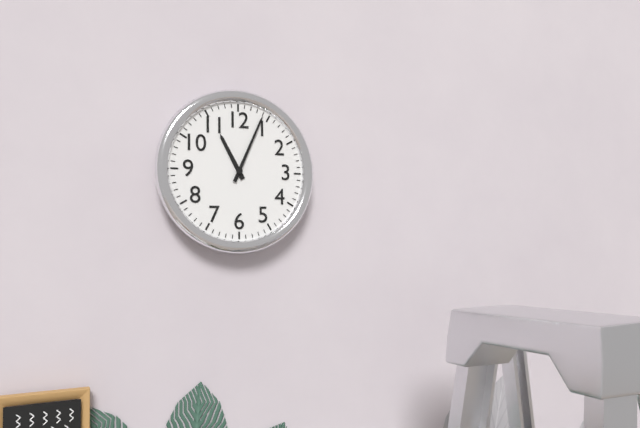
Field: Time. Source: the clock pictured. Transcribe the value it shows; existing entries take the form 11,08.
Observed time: 11,04
